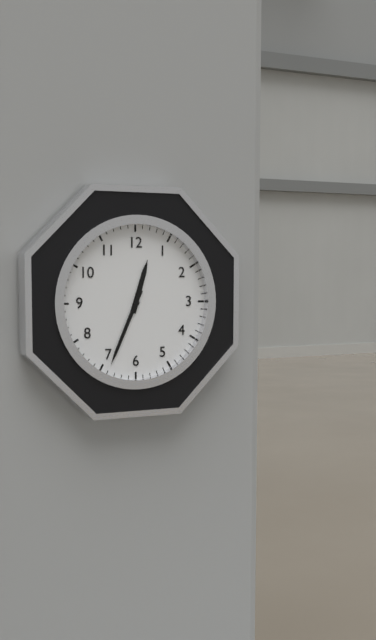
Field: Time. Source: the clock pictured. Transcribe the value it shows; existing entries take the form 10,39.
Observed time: 12,34
